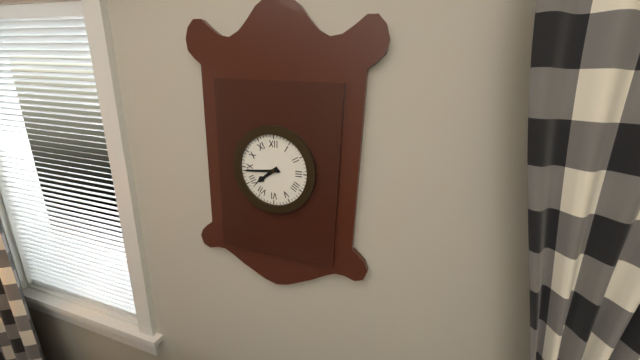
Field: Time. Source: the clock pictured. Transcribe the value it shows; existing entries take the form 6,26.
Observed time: 7,44
